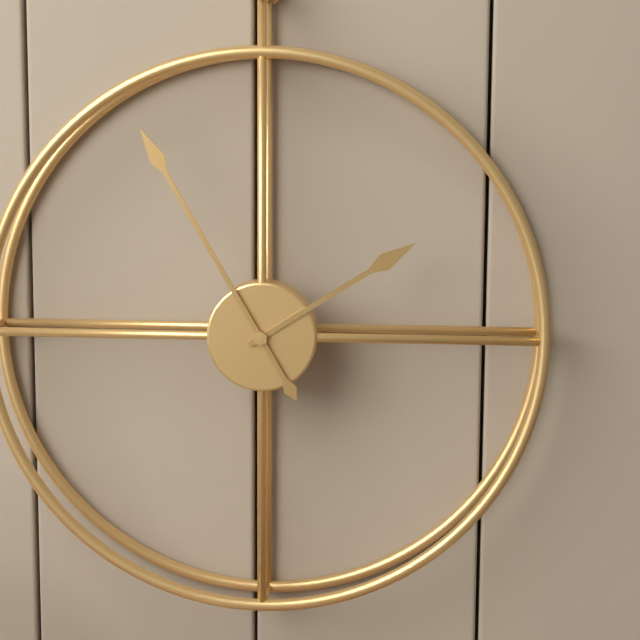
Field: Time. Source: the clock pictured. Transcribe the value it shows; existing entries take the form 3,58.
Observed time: 1,55
